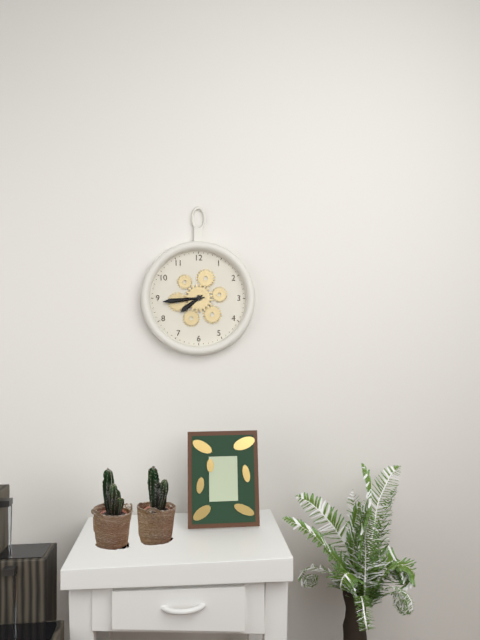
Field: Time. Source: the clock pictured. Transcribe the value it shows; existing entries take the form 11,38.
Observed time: 7,44
